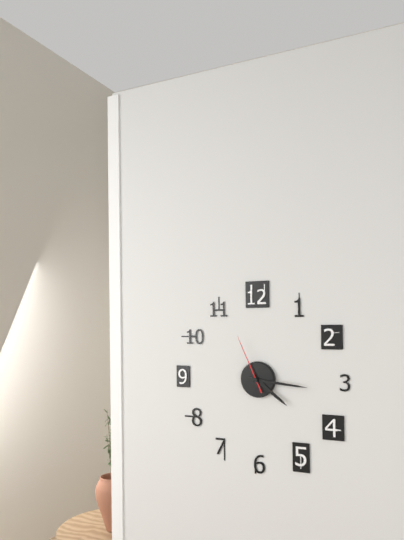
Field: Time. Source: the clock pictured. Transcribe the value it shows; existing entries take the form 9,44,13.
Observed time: 4,16,56
